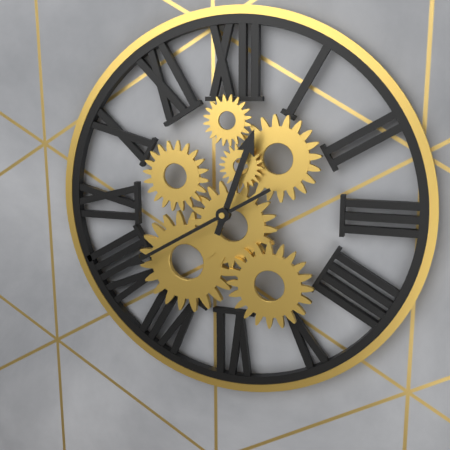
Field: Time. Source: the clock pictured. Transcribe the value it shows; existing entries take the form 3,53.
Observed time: 12,40
